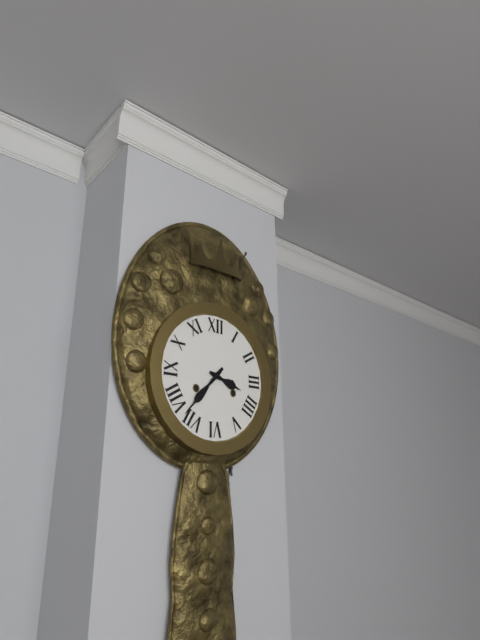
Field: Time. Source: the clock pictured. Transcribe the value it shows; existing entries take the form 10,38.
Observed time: 3,37
